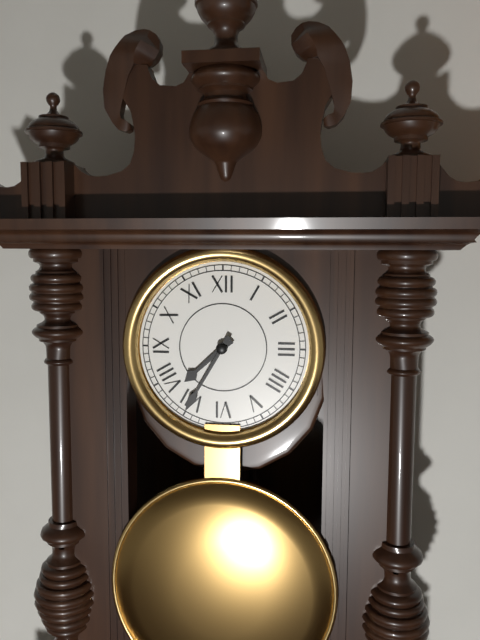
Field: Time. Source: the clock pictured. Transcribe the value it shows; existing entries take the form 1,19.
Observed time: 7,35
